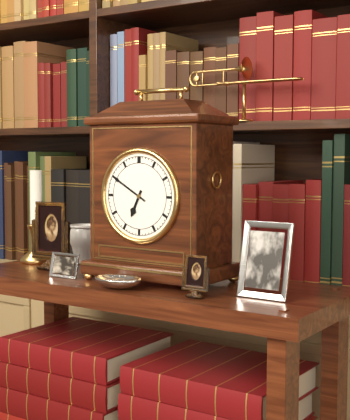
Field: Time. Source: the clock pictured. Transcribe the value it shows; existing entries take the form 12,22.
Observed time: 6,50
